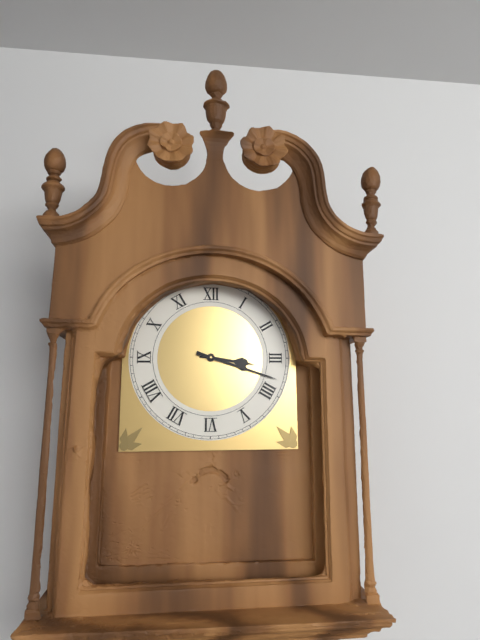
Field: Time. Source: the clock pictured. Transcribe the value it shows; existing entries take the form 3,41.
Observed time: 3,18
